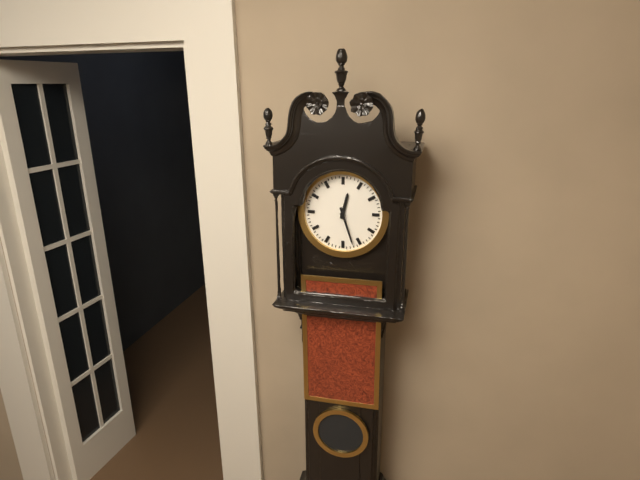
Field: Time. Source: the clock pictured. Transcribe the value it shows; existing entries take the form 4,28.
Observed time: 12,27
